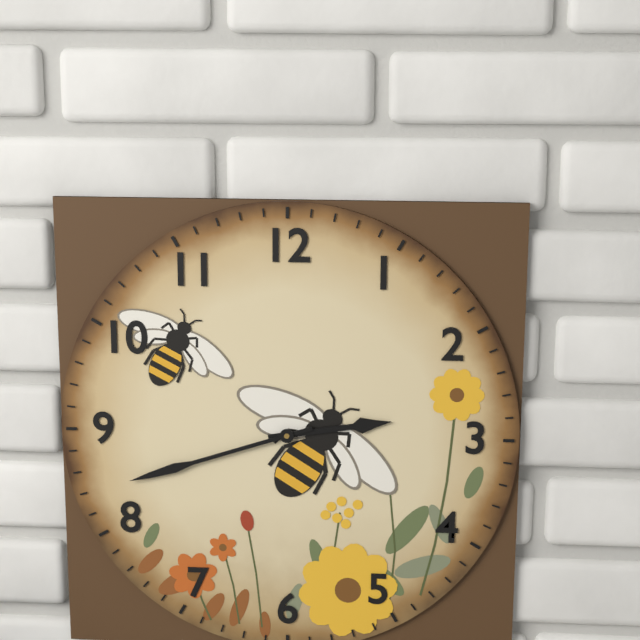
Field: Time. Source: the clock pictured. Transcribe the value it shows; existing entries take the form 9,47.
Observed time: 2,42
